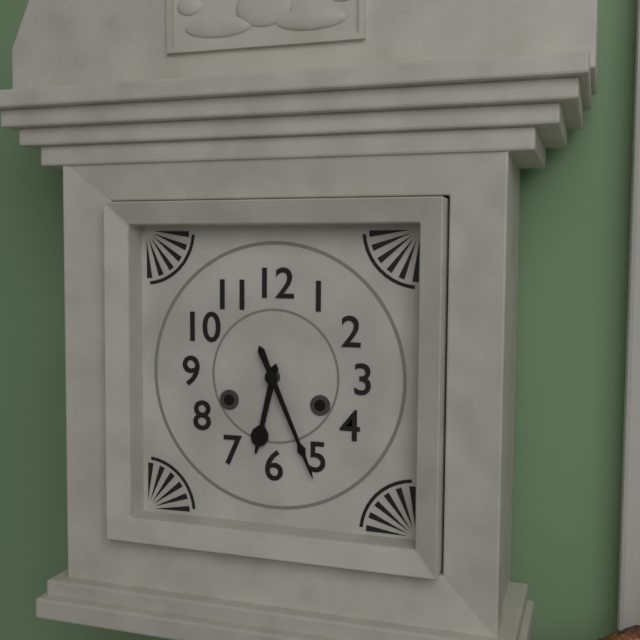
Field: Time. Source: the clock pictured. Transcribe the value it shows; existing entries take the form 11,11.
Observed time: 6,26
